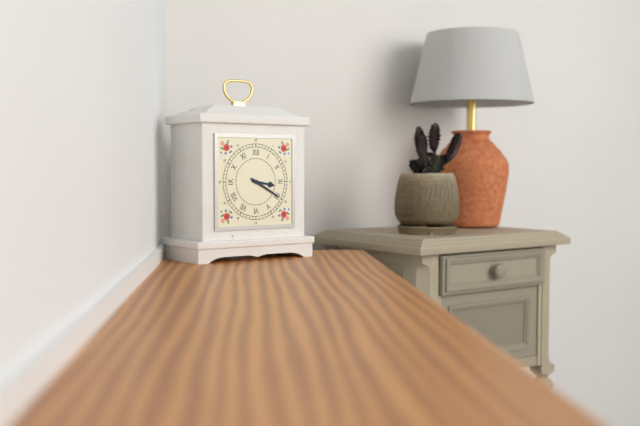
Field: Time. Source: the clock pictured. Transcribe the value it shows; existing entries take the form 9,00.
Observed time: 3,20
